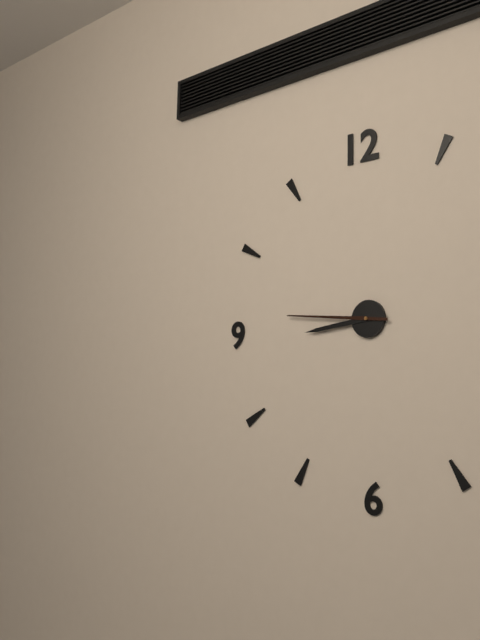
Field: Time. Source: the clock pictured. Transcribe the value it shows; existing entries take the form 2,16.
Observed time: 8,46
